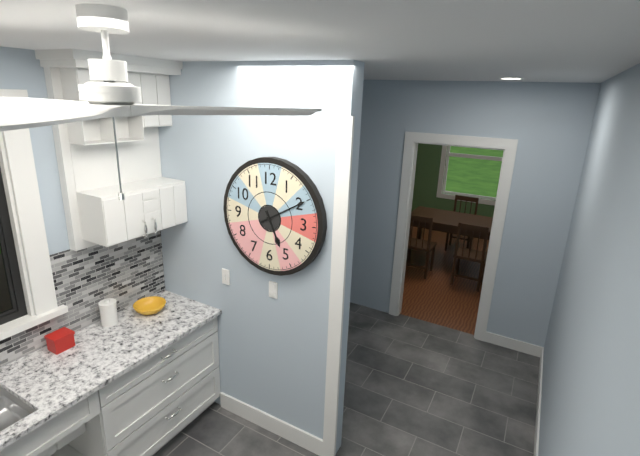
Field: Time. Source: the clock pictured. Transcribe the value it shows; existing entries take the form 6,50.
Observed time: 5,10
